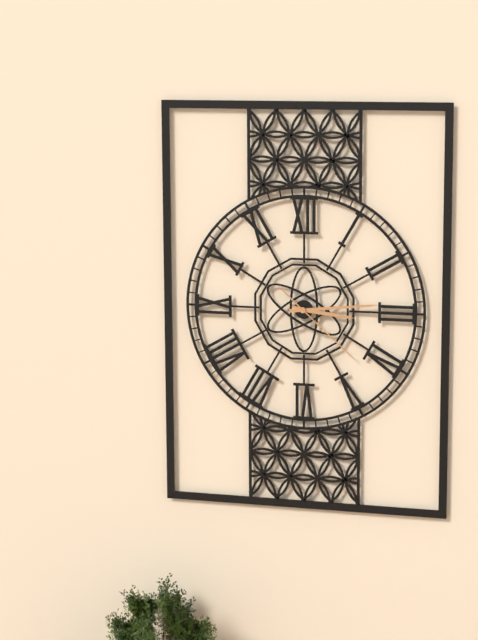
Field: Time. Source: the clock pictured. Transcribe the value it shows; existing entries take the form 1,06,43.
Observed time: 3,14,22
